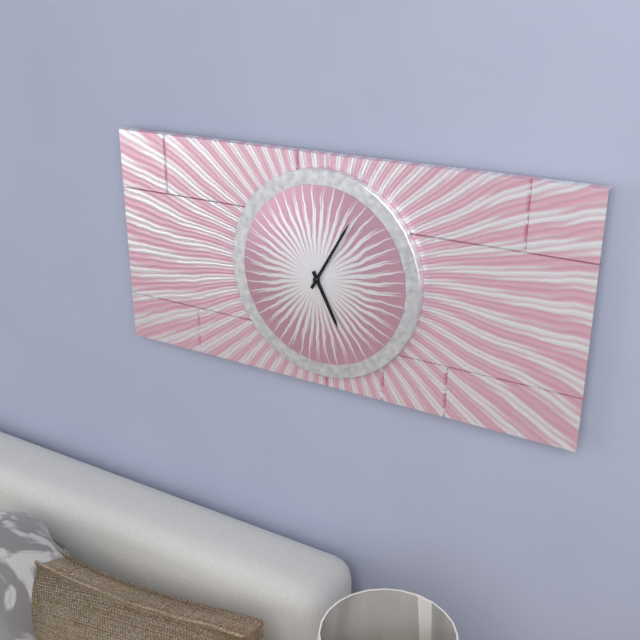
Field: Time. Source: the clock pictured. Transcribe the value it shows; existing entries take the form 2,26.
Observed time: 5,05
